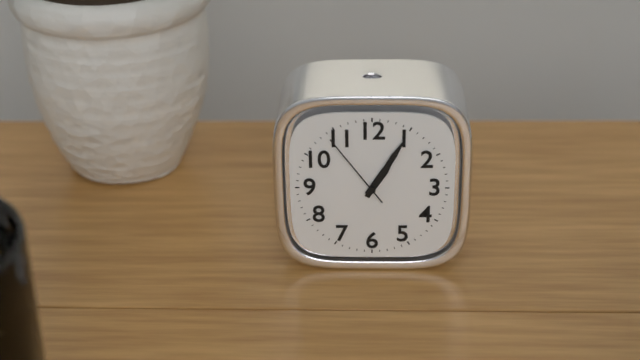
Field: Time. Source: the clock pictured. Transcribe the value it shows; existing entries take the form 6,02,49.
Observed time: 1,05,54
